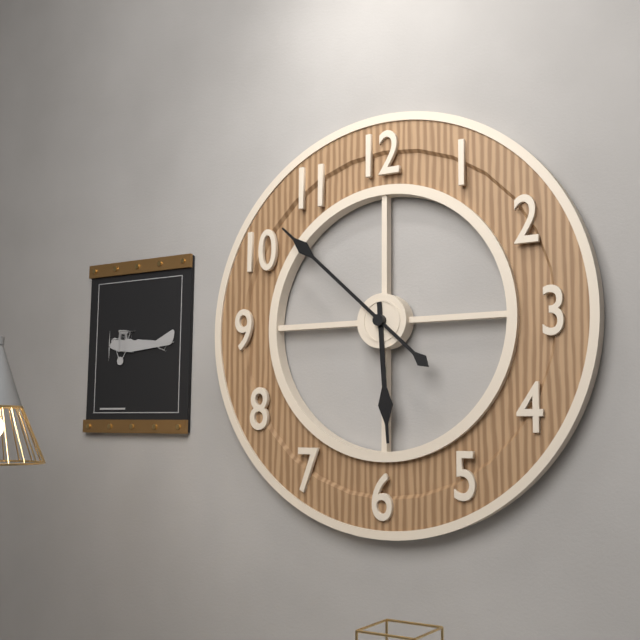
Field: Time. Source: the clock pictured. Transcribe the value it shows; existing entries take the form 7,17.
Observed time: 5,52
